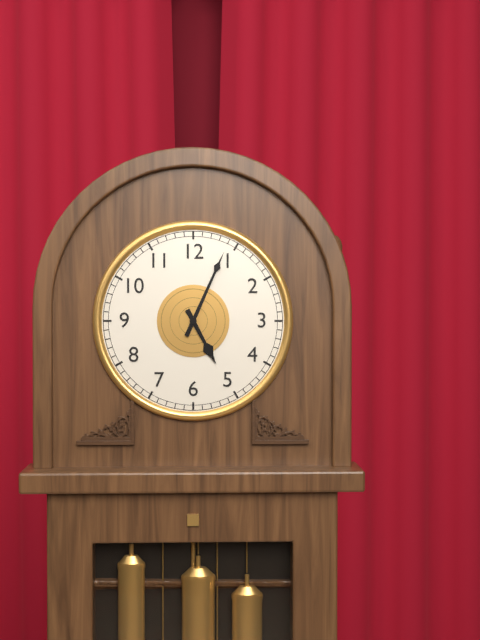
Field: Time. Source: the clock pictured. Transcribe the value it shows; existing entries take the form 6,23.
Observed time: 5,04
